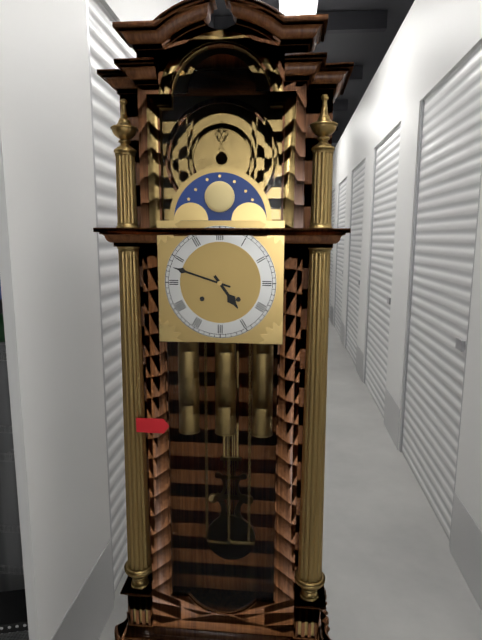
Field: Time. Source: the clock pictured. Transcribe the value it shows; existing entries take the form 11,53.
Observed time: 4,48
